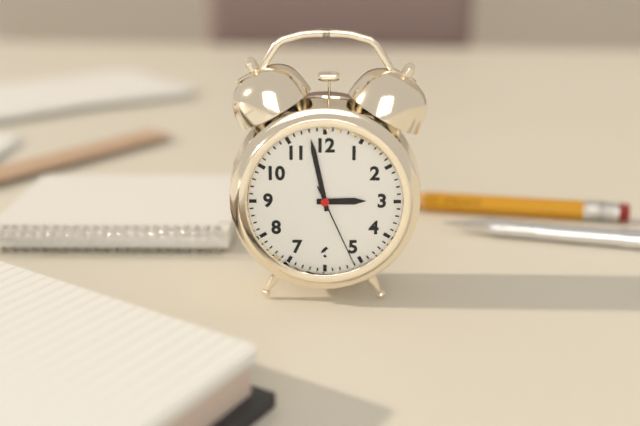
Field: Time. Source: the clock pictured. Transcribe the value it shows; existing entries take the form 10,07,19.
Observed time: 2,58,26
